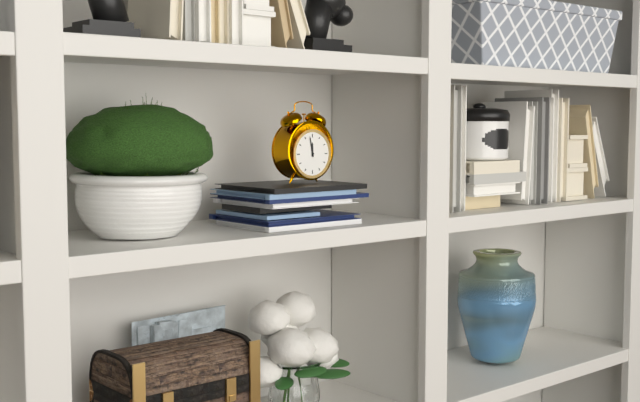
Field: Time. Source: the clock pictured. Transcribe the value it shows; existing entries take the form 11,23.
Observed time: 11,58
